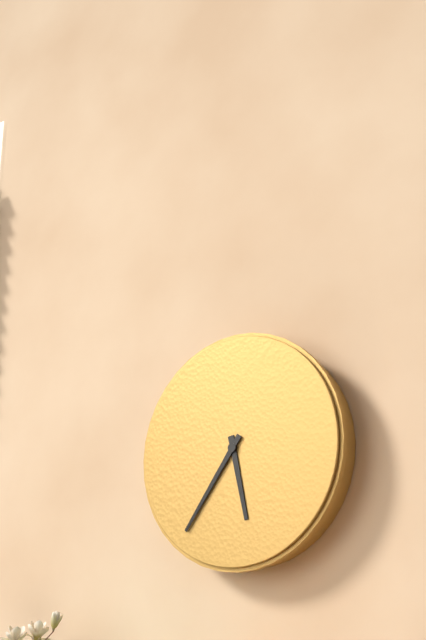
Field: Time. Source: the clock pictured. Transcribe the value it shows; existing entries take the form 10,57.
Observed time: 5,36
